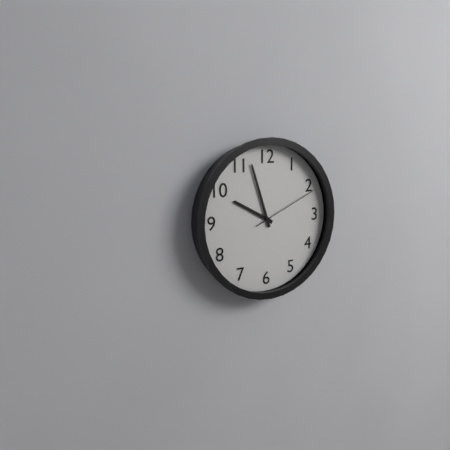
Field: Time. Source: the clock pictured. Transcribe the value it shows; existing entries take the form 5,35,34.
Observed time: 9,57,11
